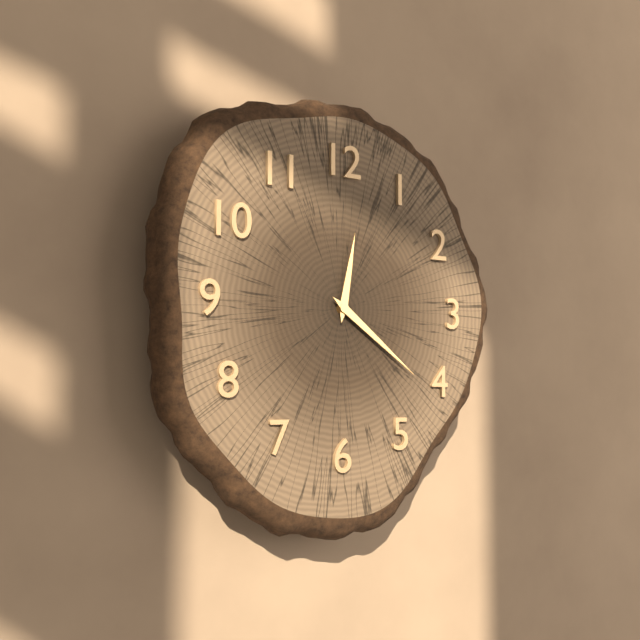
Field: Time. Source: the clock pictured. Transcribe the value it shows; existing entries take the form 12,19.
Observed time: 12,21
